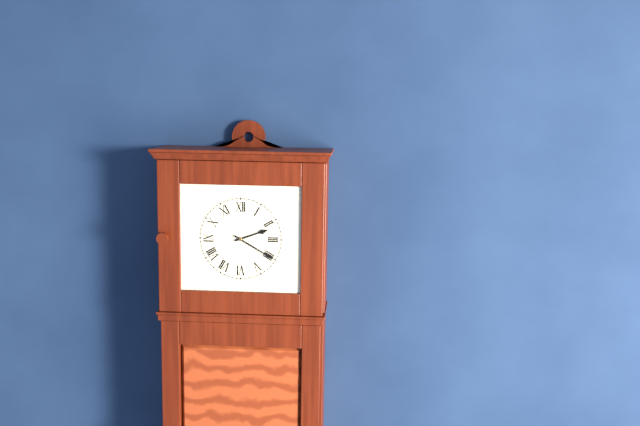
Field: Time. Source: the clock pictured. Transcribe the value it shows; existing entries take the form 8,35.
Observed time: 2,20
